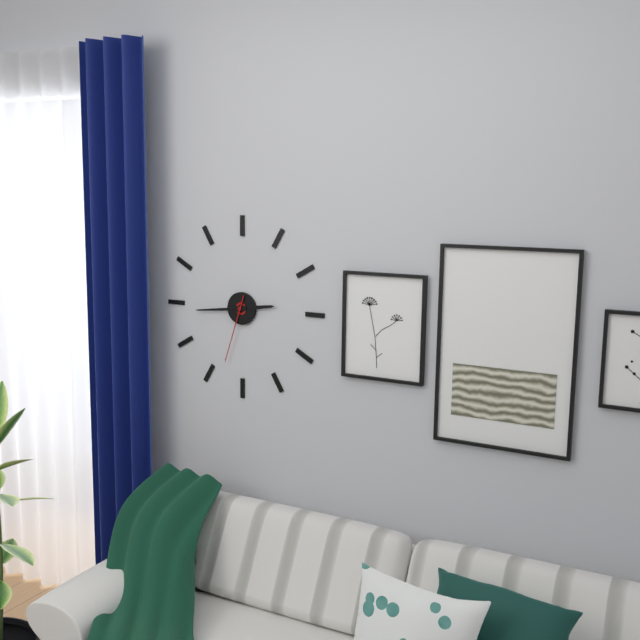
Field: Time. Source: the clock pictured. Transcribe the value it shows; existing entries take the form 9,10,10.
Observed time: 2,44,33
